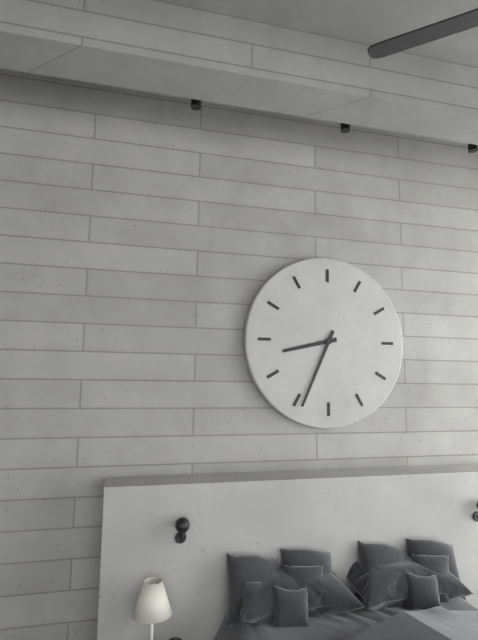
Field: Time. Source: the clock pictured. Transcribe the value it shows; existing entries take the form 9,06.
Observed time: 8,34
